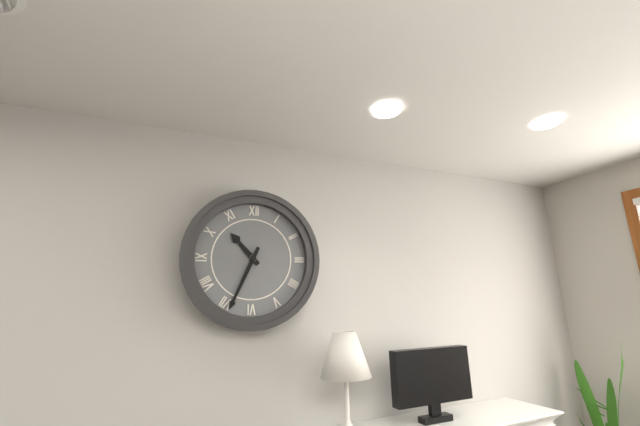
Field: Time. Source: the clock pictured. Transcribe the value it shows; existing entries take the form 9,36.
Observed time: 10,34
